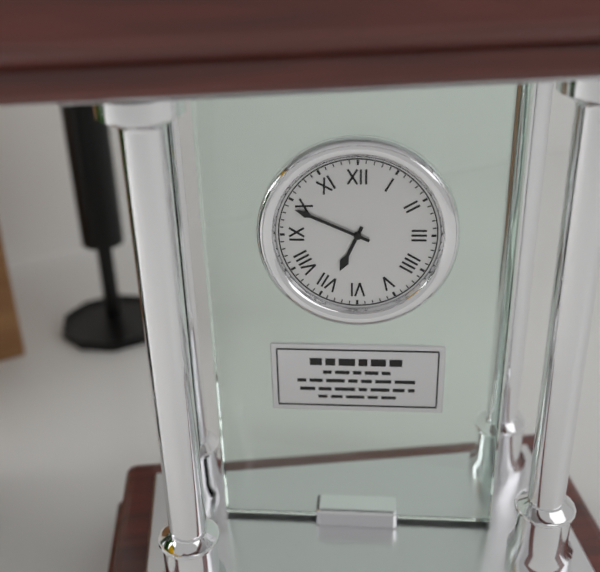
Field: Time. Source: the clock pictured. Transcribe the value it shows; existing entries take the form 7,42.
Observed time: 6,49
